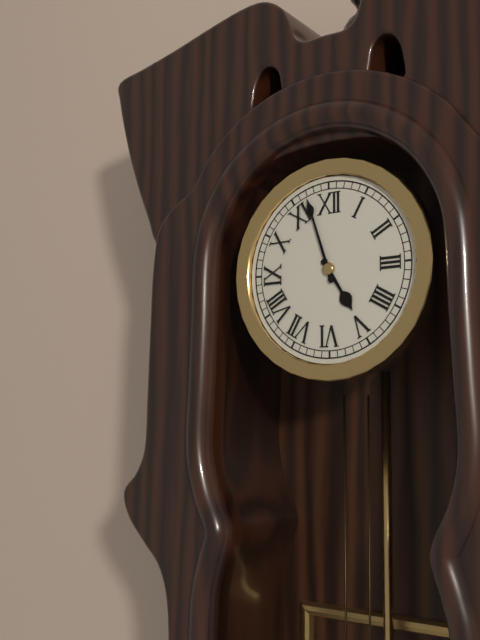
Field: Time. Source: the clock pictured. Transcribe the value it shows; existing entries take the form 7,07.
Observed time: 4,57
